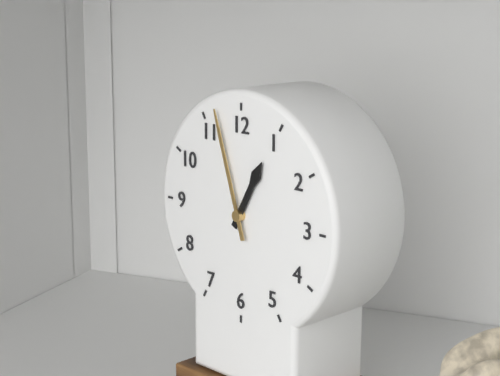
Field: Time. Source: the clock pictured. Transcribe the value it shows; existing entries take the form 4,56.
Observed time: 12,57
